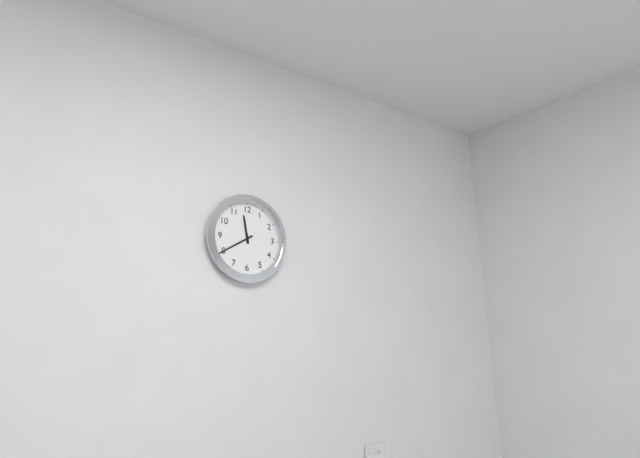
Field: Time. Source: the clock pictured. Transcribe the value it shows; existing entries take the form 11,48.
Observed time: 11,40
